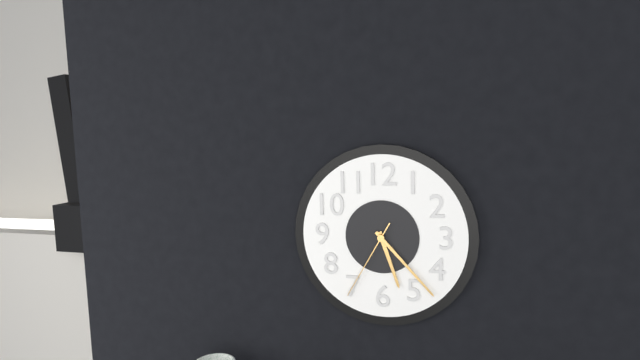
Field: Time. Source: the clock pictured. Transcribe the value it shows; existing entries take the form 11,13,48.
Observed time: 5,23,35
